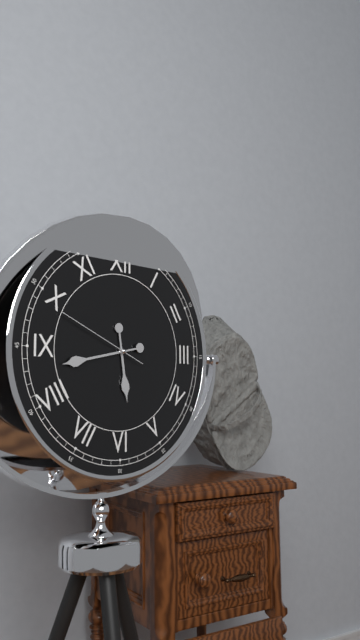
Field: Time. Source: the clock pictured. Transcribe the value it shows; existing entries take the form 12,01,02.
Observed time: 5,43,49
